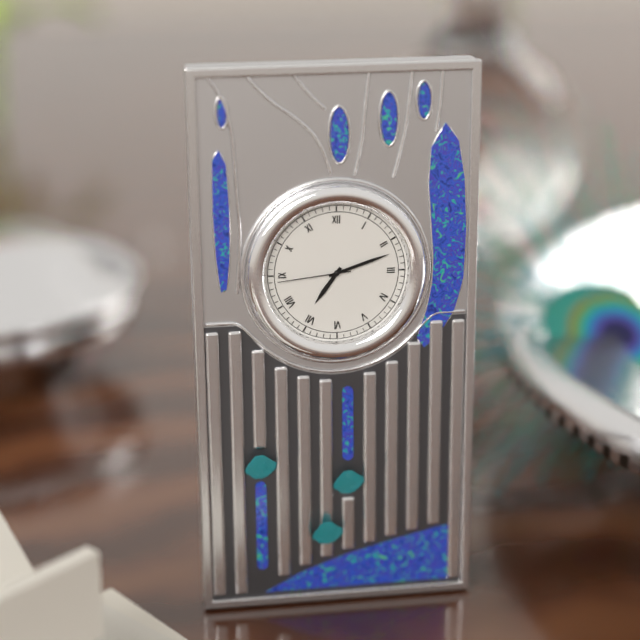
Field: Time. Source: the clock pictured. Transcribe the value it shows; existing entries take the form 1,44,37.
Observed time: 7,12,44
